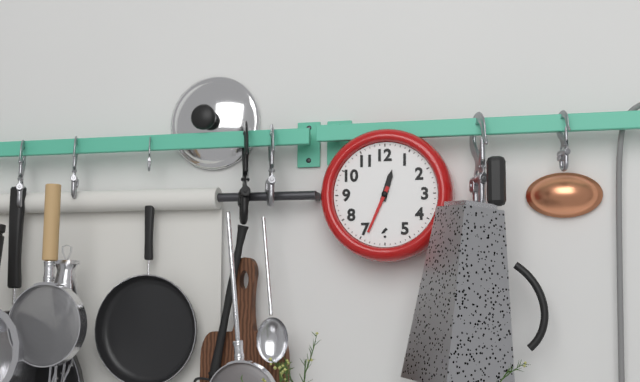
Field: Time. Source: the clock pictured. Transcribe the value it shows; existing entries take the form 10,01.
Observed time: 12,34
